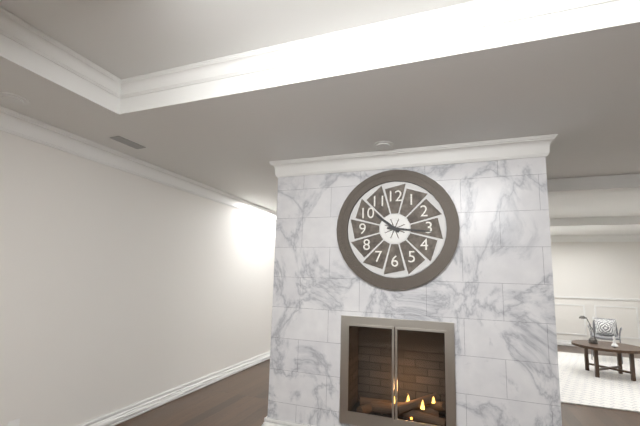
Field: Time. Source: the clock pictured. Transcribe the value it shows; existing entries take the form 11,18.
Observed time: 10,16
